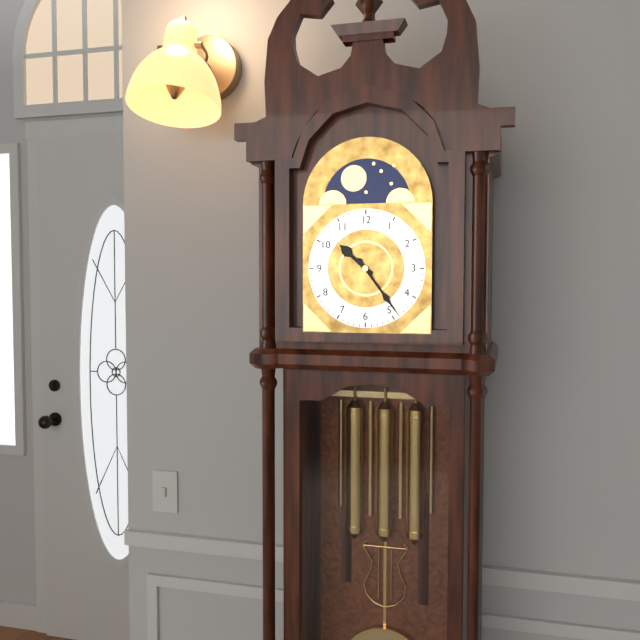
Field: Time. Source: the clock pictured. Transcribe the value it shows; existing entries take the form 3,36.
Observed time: 10,24
